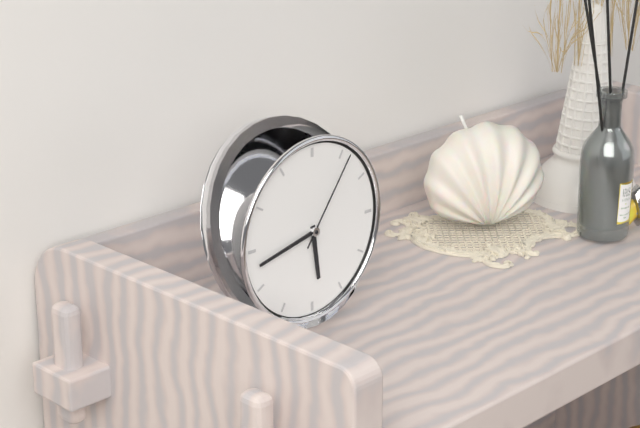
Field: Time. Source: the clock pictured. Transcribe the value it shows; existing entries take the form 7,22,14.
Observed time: 5,43,06
